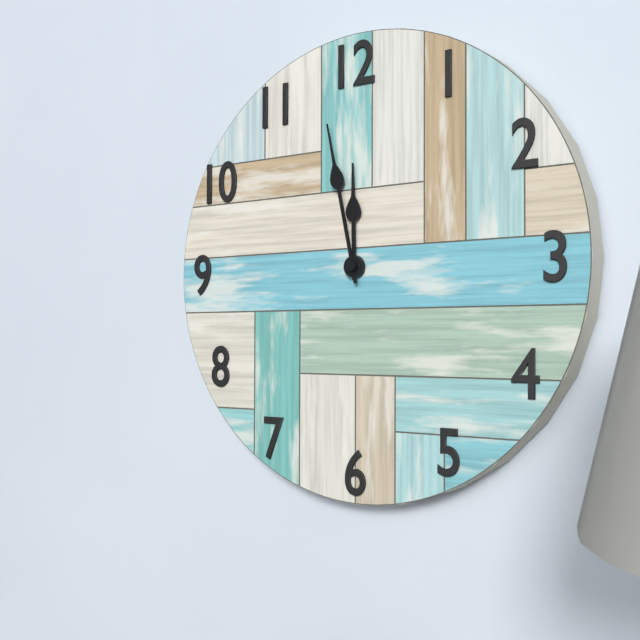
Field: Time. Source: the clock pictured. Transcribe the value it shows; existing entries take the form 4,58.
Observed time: 11,58
